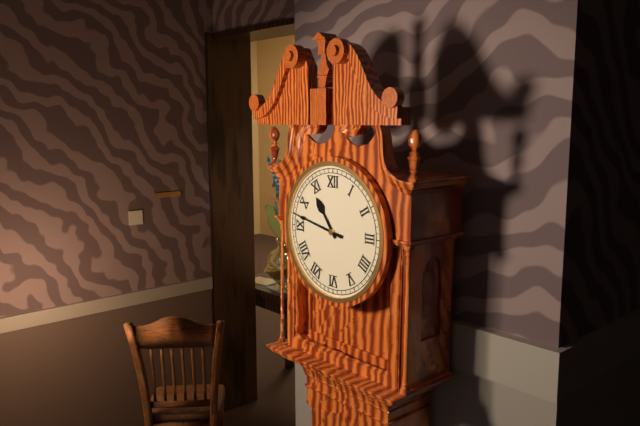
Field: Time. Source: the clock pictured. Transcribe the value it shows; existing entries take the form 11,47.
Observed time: 10,47
